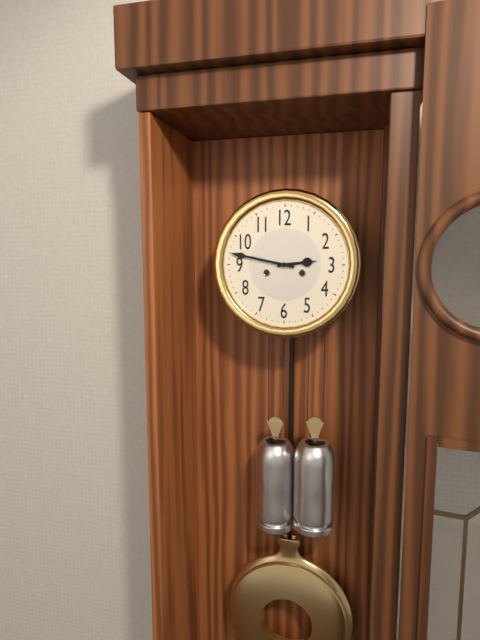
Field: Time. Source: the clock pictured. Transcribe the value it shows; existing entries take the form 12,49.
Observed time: 2,47
